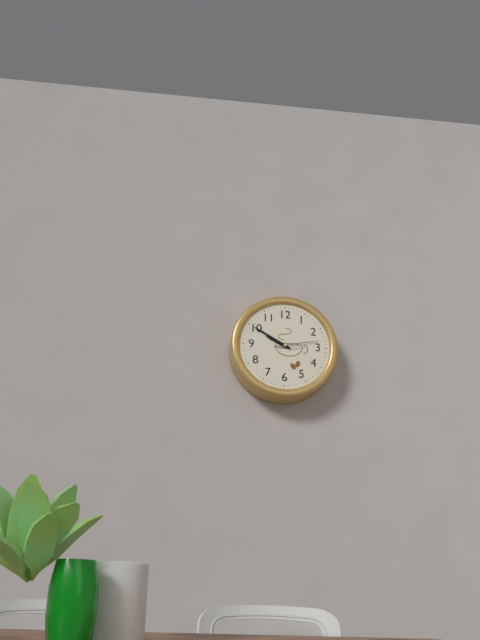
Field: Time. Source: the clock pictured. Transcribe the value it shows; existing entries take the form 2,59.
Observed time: 9,50
